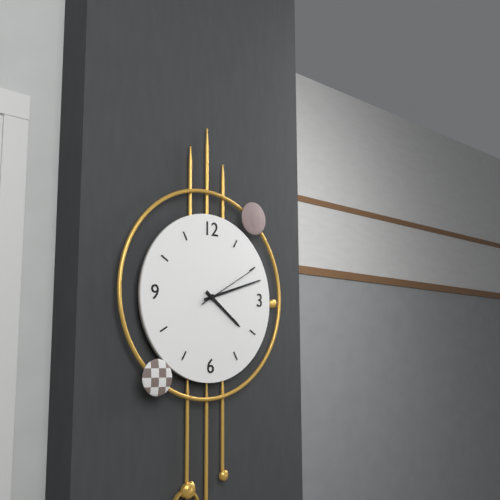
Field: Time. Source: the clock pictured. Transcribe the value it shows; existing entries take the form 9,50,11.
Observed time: 4,12,10
